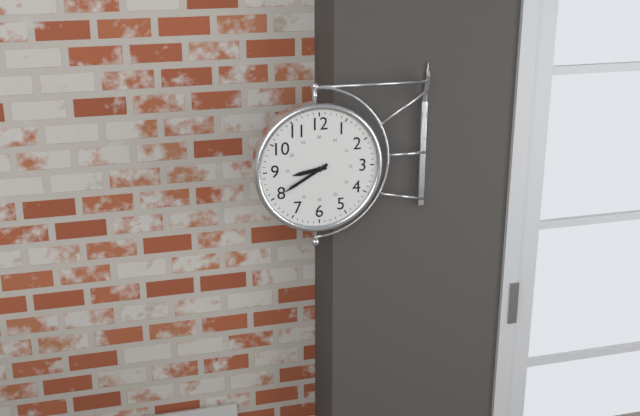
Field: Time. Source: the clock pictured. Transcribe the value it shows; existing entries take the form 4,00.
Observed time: 8,40
